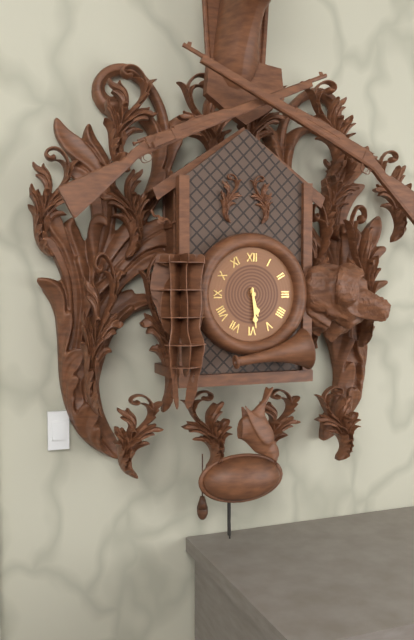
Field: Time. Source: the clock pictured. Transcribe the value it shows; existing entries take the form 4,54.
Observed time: 5,29
